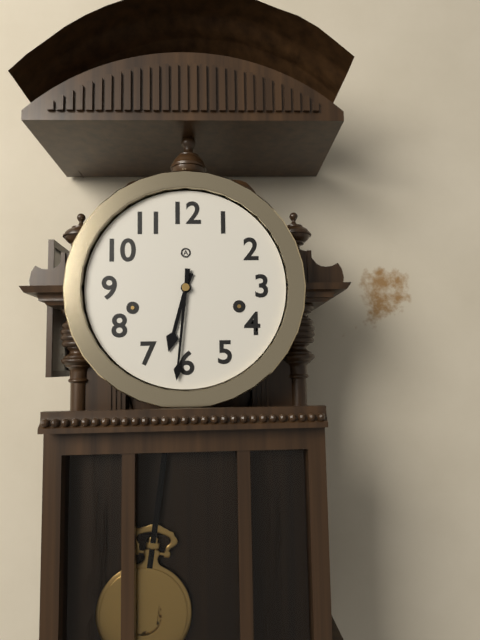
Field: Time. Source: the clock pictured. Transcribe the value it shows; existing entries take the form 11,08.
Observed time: 6,31
